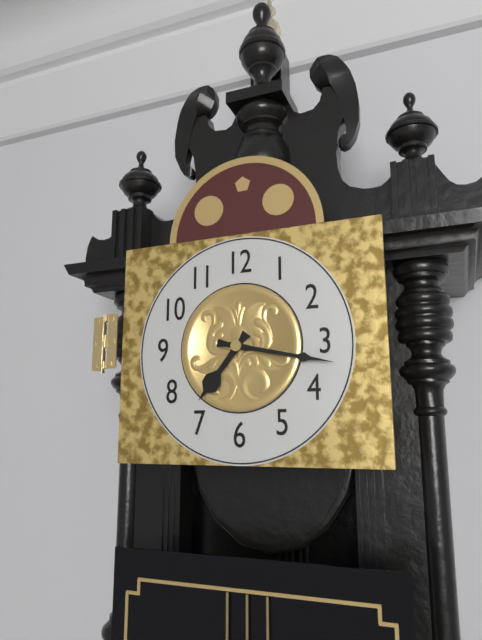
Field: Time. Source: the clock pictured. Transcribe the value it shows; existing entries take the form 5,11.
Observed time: 7,17
